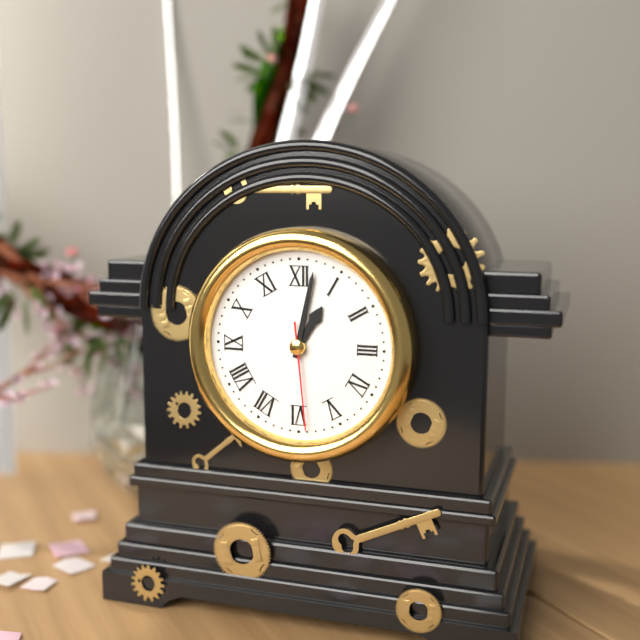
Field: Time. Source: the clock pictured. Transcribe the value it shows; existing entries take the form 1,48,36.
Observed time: 1,02,29
